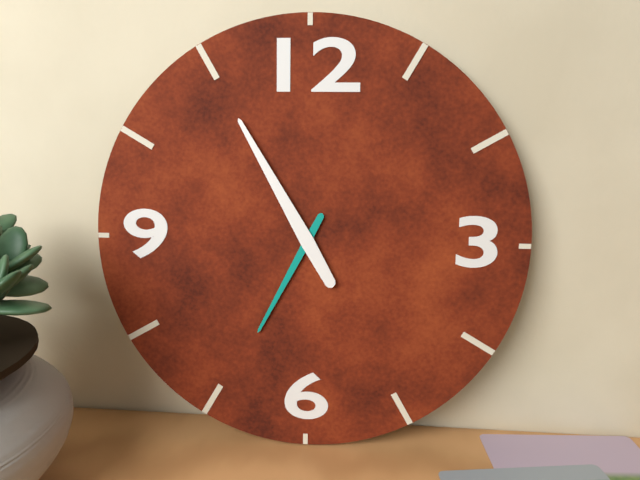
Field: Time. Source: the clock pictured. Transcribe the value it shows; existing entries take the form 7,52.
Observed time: 6,55
